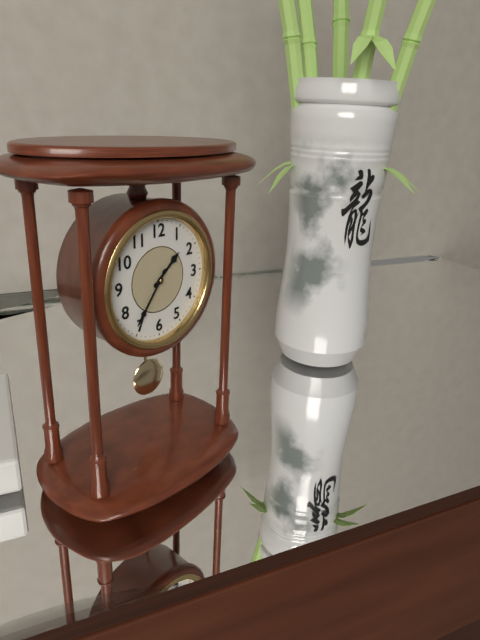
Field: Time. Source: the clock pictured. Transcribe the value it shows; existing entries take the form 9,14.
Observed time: 1,36
